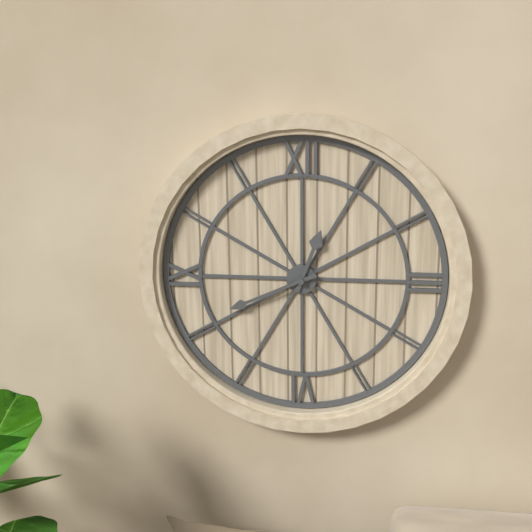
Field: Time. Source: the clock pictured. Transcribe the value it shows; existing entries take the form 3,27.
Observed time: 12,41
